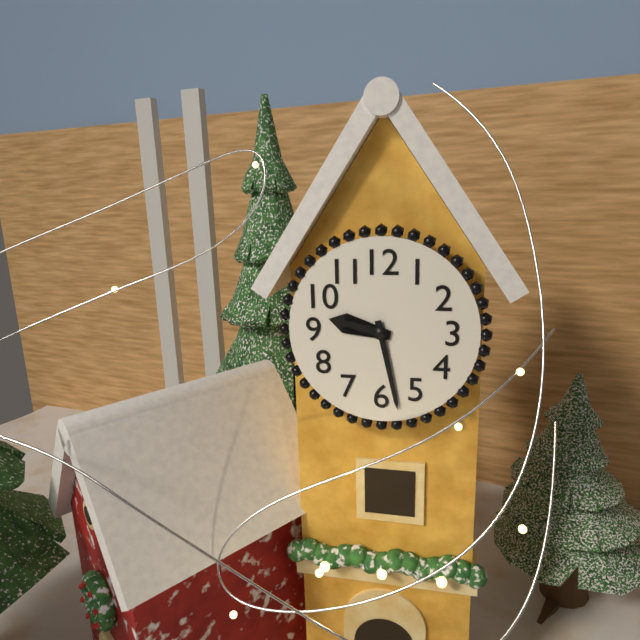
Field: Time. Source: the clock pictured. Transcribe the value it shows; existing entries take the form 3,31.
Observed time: 9,28
